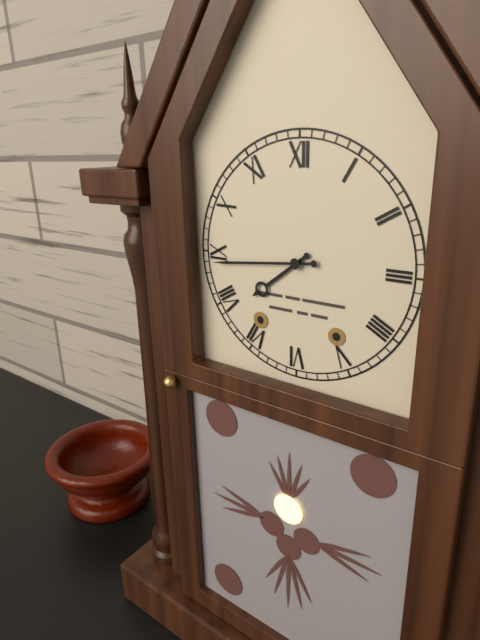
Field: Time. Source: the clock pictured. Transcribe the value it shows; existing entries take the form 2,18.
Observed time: 7,44
